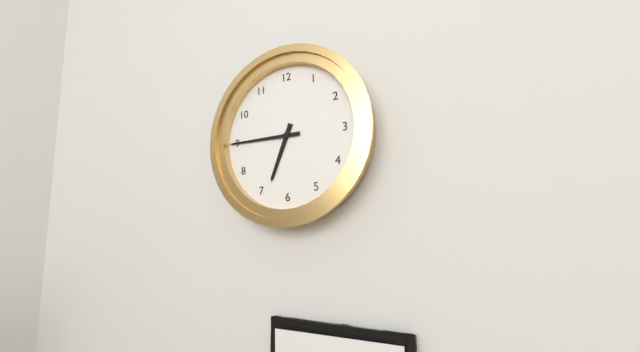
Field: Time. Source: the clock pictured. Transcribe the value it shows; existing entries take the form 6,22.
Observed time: 6,45
